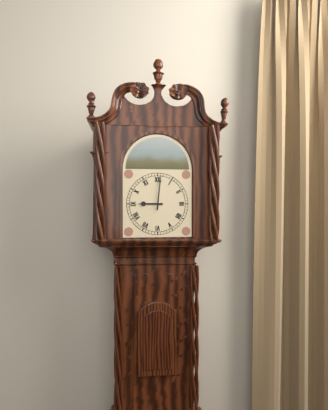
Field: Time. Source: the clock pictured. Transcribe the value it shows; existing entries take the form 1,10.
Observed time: 9,01
